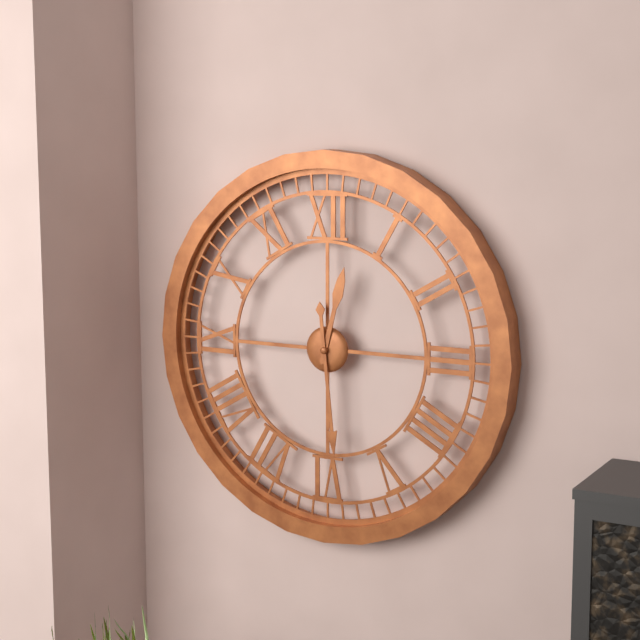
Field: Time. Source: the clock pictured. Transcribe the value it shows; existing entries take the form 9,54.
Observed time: 12,29
